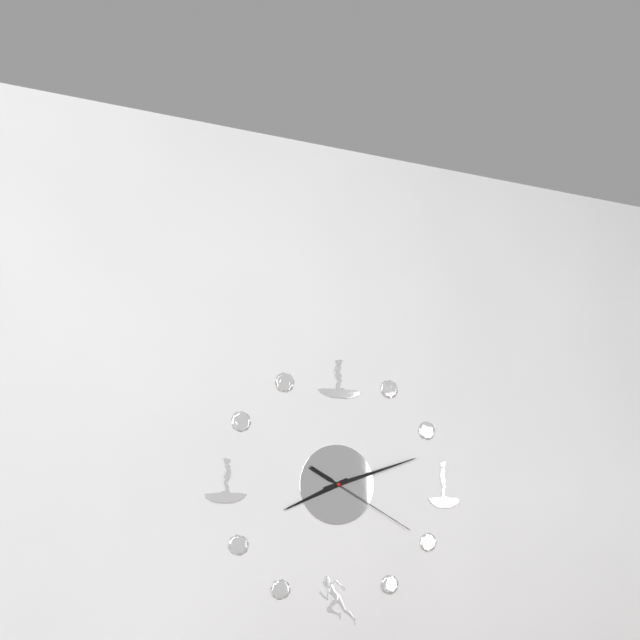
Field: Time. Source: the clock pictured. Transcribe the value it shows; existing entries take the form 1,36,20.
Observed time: 8,12,20
